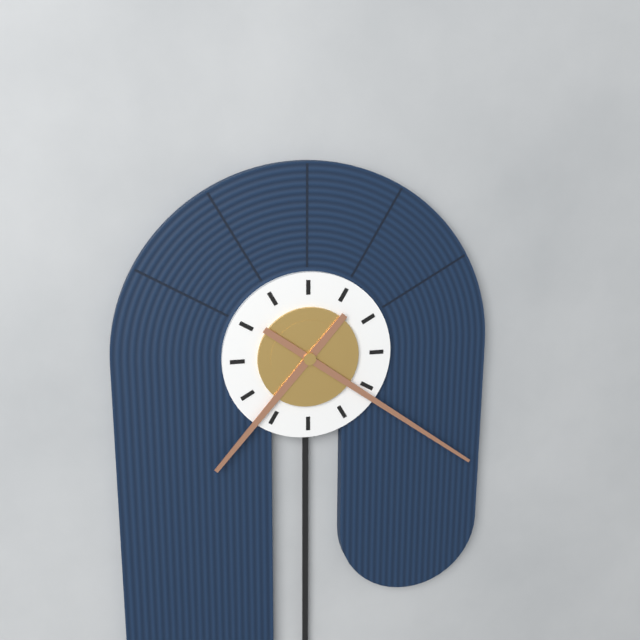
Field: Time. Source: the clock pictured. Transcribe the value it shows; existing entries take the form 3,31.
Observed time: 7,21
